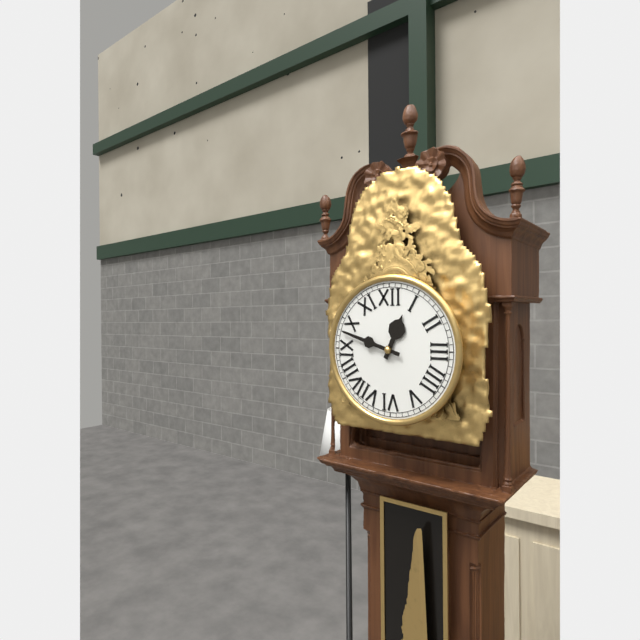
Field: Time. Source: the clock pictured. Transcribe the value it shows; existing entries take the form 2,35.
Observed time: 12,48
